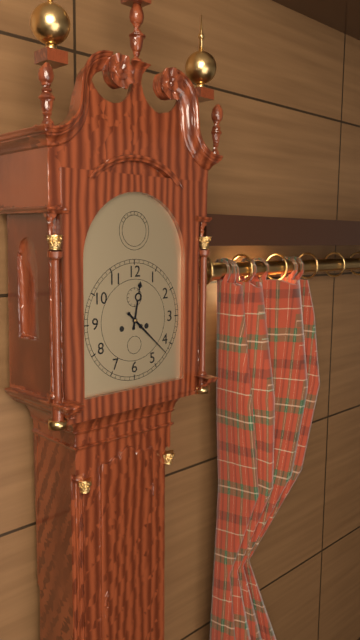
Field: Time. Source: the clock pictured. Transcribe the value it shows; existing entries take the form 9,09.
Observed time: 12,22
